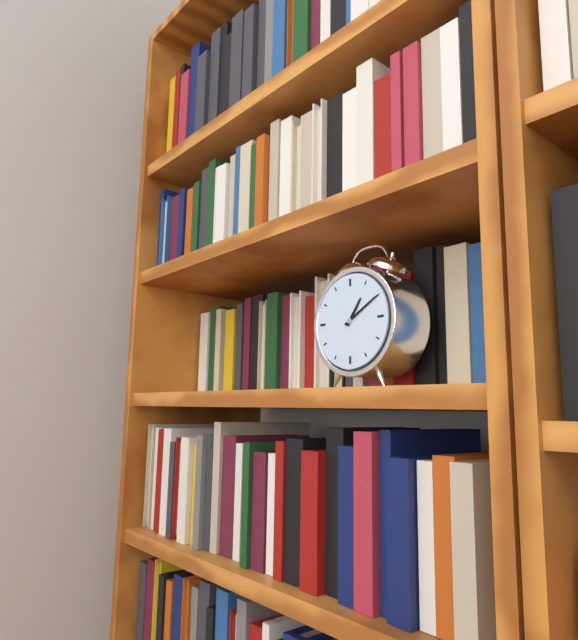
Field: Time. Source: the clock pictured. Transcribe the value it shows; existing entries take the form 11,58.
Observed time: 1,10
